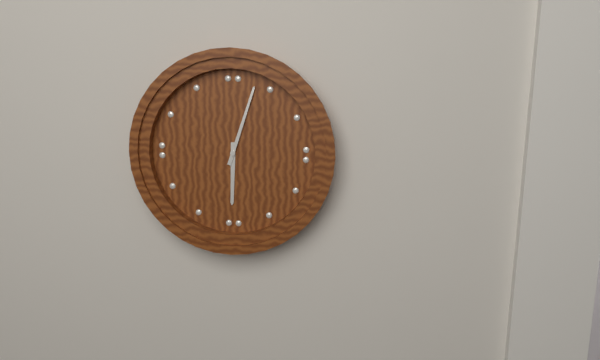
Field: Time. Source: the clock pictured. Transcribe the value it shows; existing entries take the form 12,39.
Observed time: 6,03
